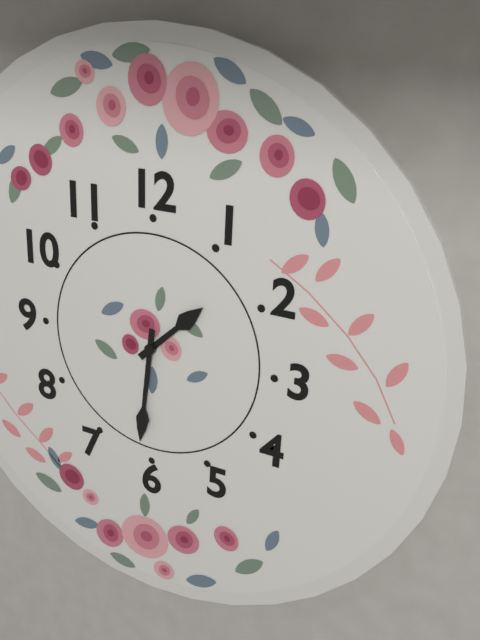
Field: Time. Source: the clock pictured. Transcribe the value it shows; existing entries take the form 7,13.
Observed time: 1,31
